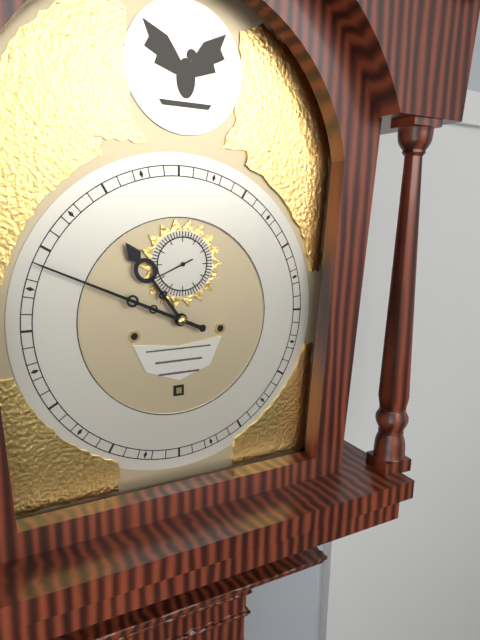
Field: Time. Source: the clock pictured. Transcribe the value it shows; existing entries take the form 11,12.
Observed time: 10,49
